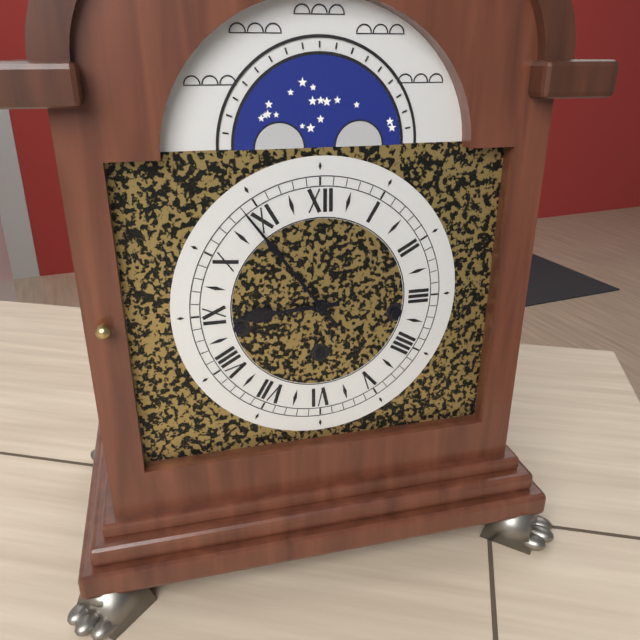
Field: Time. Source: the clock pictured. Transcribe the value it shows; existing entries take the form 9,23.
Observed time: 8,54
